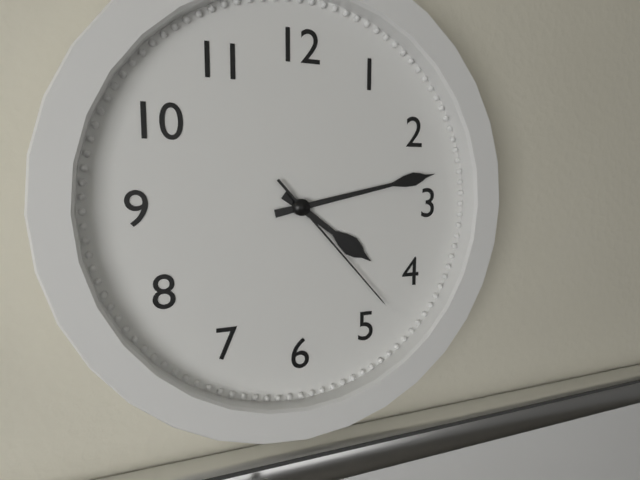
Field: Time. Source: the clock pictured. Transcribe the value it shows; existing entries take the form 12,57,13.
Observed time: 4,13,23
